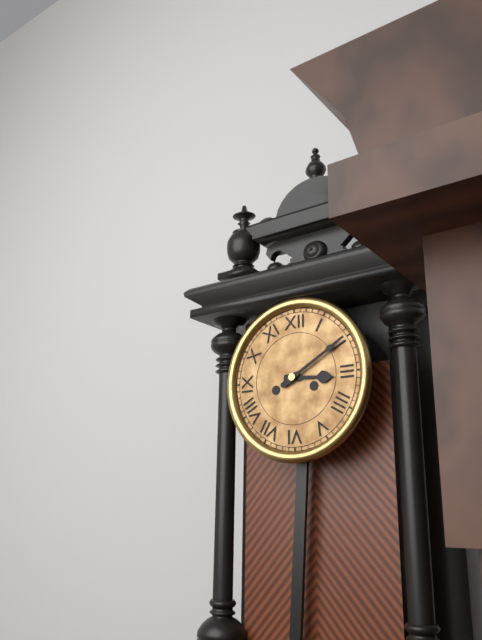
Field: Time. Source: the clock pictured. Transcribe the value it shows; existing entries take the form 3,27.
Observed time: 3,10
